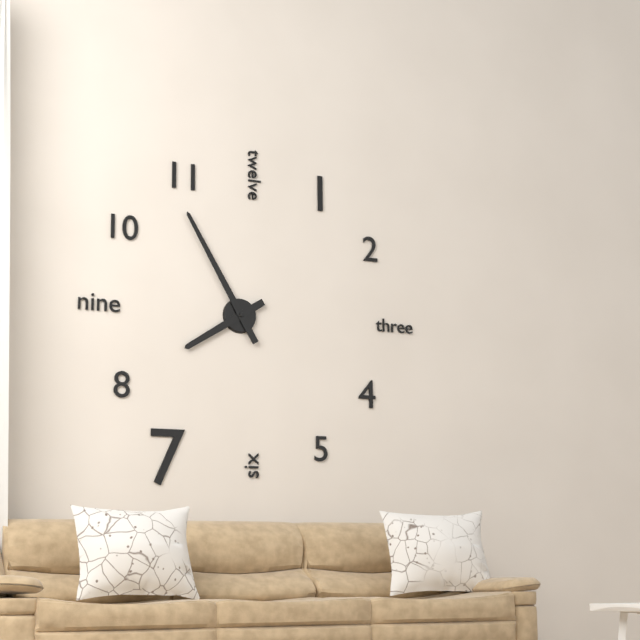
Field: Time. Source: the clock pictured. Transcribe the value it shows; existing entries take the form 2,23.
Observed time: 7,55
